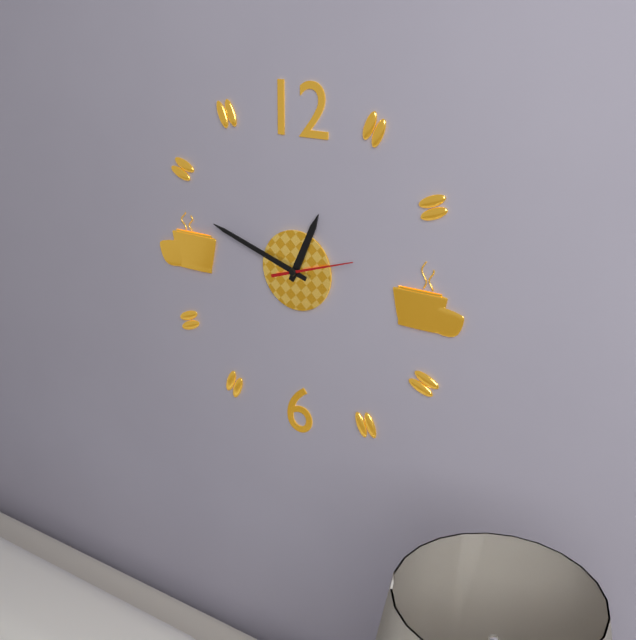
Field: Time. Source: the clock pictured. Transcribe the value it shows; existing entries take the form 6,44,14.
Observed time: 12,48,12
